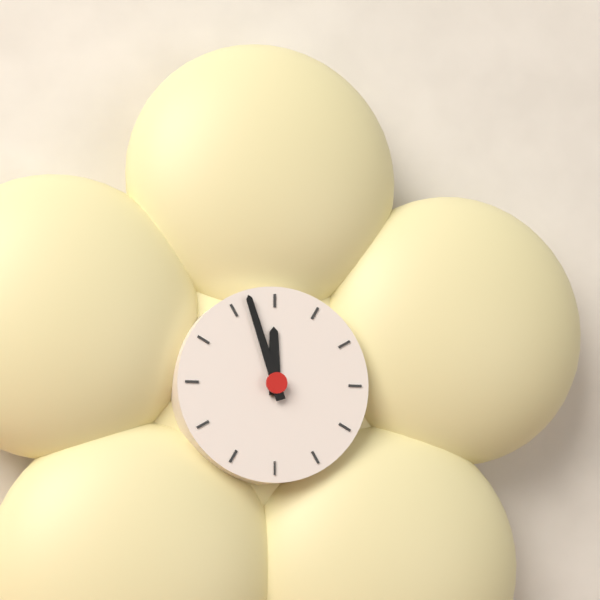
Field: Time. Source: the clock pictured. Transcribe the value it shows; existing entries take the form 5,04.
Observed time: 11,57
